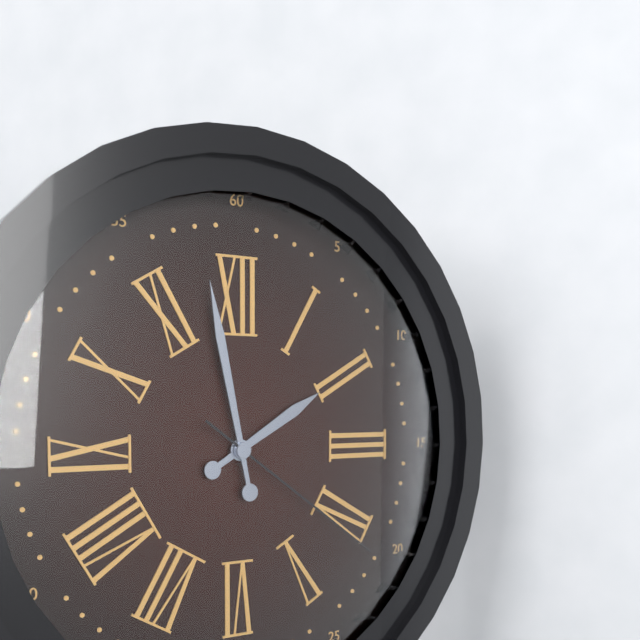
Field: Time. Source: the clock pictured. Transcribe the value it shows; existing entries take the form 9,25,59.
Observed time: 1,58,21
